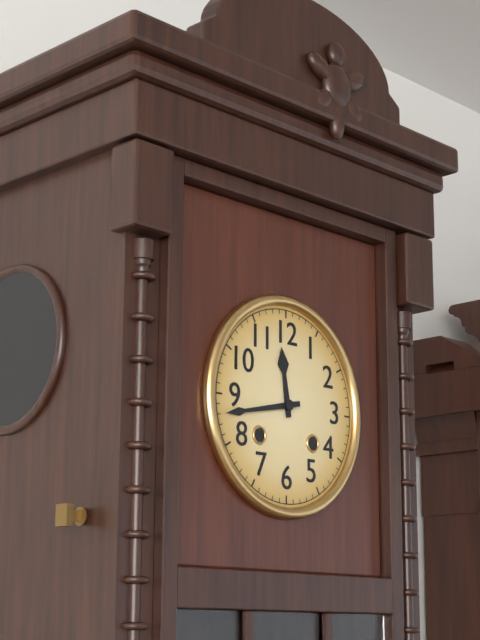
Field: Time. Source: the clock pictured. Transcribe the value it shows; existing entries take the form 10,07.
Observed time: 11,43
